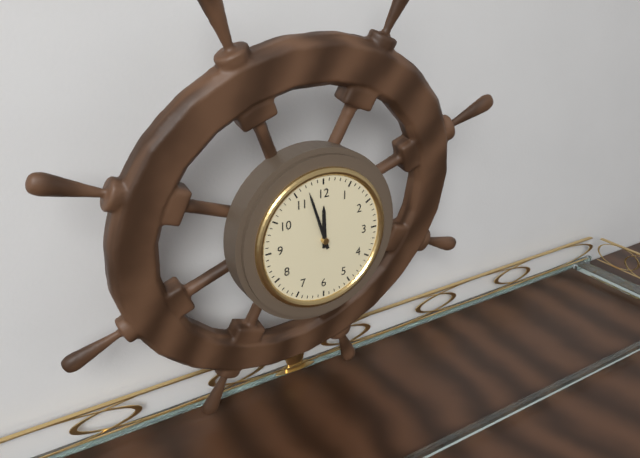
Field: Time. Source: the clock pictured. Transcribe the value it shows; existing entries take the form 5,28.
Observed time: 11,57
